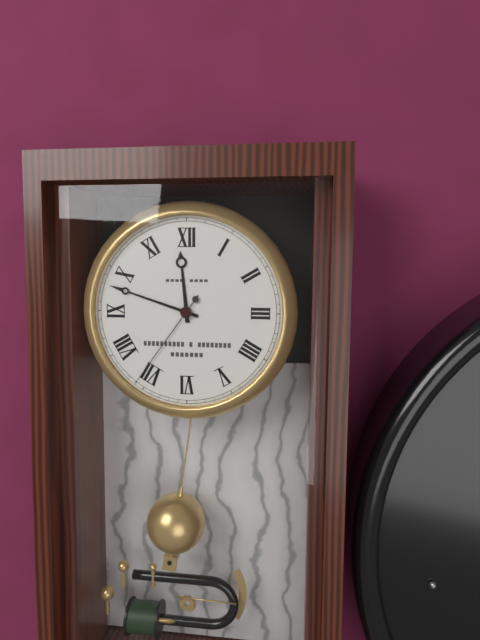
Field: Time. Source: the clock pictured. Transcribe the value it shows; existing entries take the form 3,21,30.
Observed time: 11,48,36
